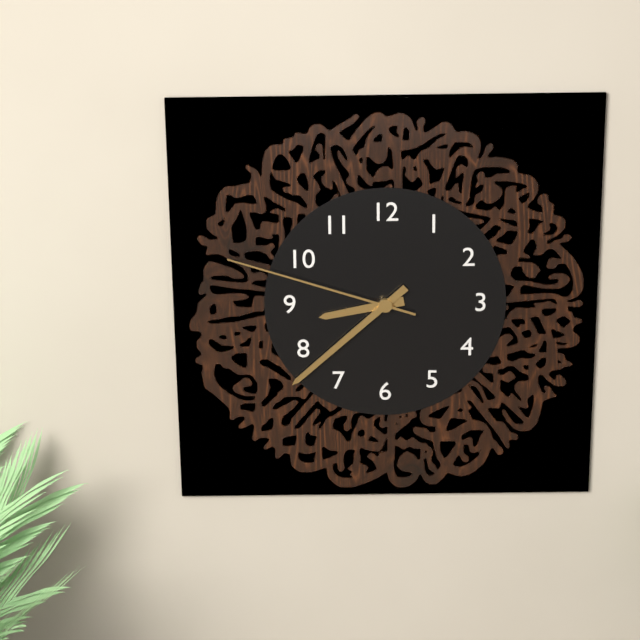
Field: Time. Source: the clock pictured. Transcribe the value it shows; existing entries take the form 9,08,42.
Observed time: 8,38,48
